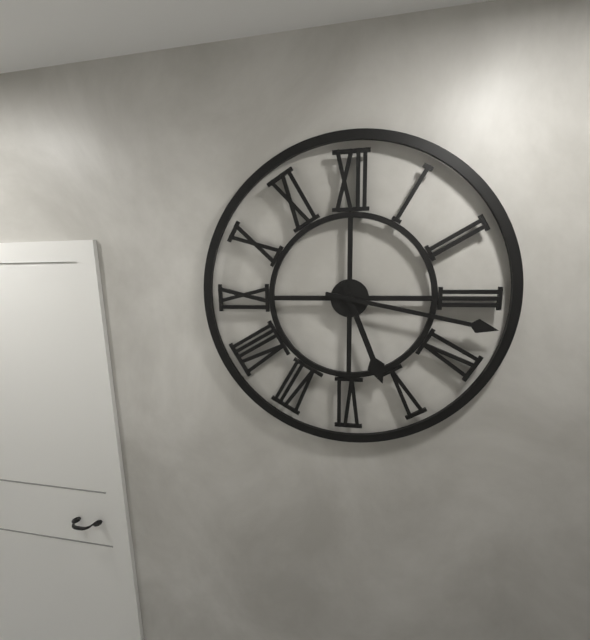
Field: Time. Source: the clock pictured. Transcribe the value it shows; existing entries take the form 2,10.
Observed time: 5,17
